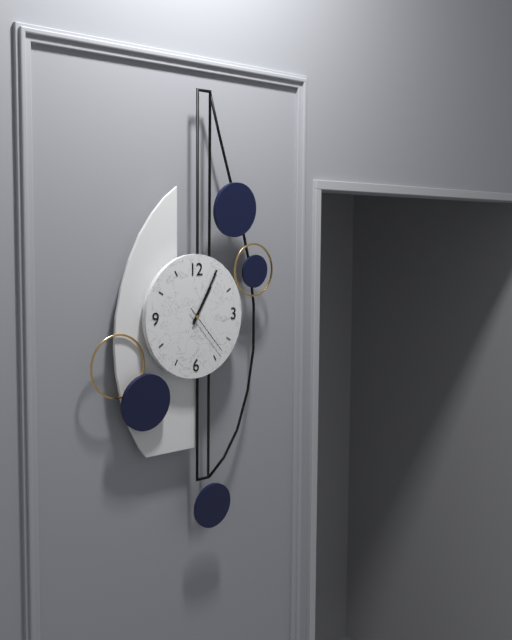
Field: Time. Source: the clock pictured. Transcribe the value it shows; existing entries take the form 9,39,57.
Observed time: 1,05,23
